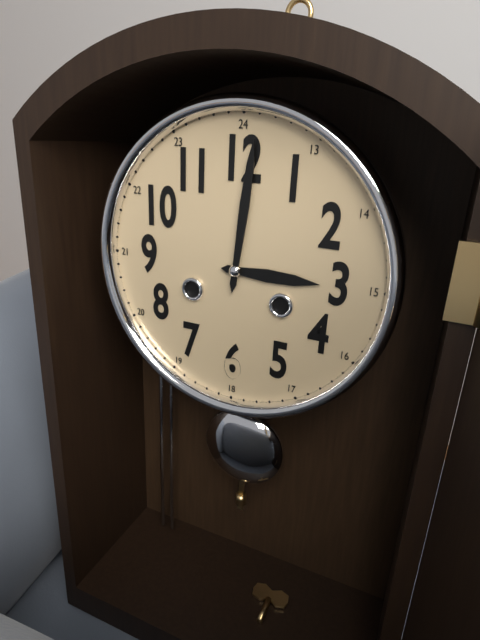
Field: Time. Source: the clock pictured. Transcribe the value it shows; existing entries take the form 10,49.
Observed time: 3,01
